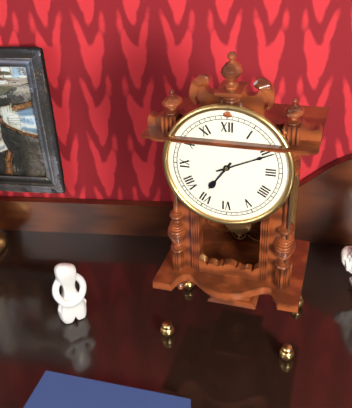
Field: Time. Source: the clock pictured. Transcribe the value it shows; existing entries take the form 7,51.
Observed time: 7,11
